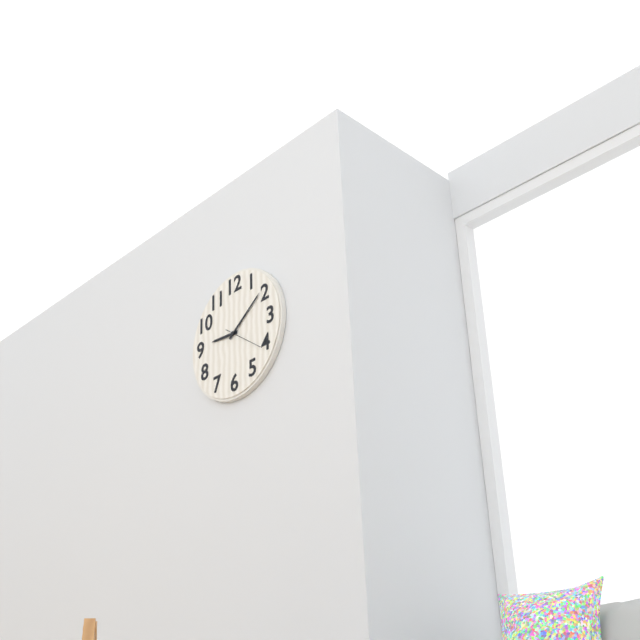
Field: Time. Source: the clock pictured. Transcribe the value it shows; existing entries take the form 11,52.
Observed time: 9,09
